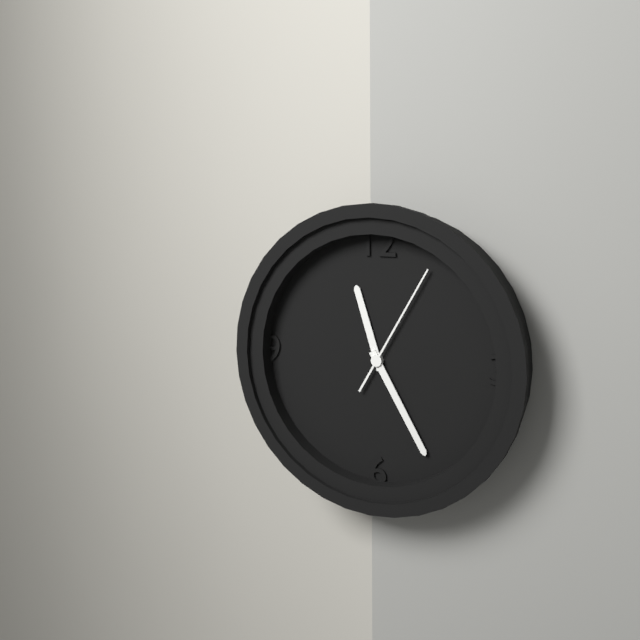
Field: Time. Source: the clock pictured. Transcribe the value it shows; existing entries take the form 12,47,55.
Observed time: 11,25,05
